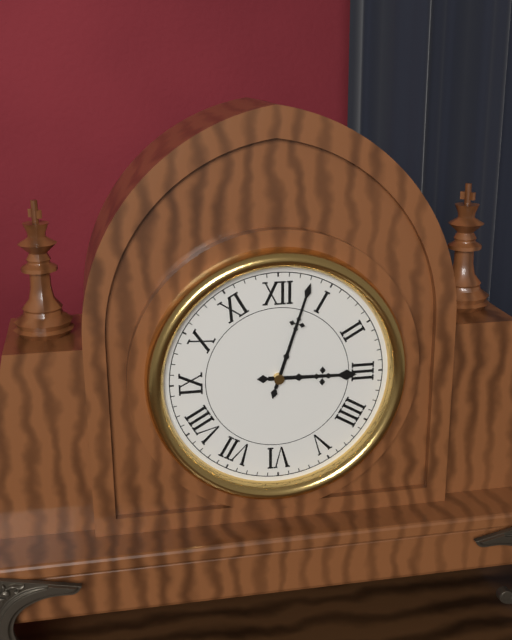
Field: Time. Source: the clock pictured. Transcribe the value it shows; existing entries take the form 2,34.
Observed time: 3,03
